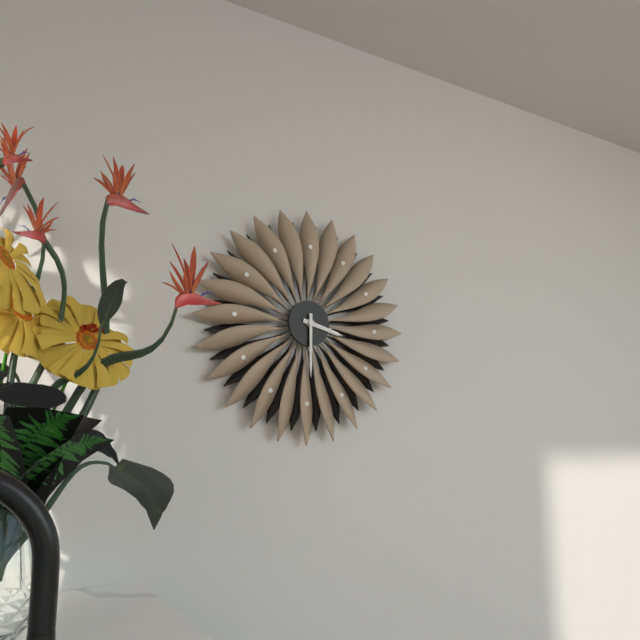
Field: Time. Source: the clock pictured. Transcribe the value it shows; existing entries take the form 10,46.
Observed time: 3,30
